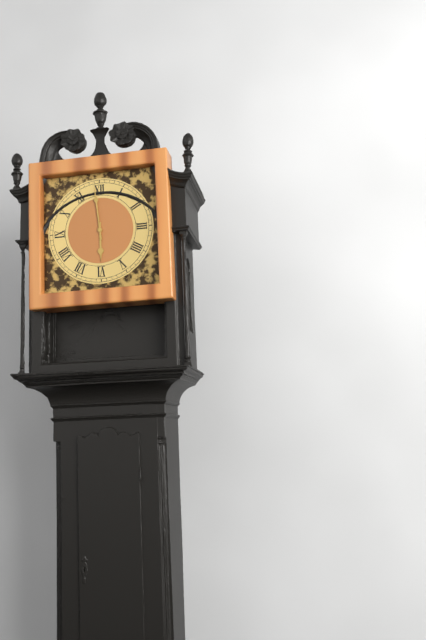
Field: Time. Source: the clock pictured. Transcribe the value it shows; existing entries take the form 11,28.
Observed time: 5,59
